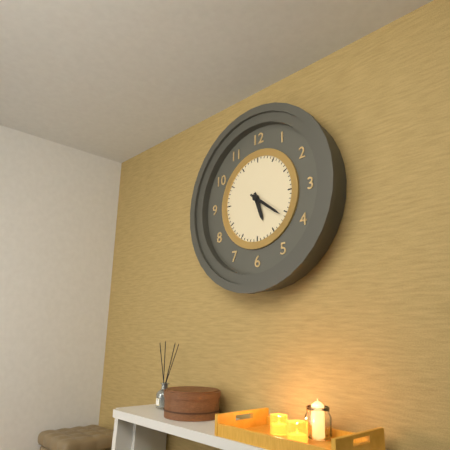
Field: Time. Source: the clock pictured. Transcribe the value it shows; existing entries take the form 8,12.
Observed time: 5,21
